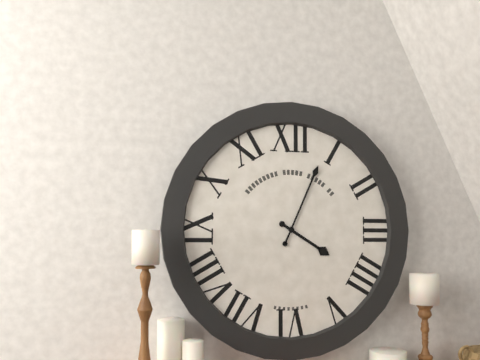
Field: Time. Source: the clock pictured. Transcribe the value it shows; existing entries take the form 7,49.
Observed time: 4,04
